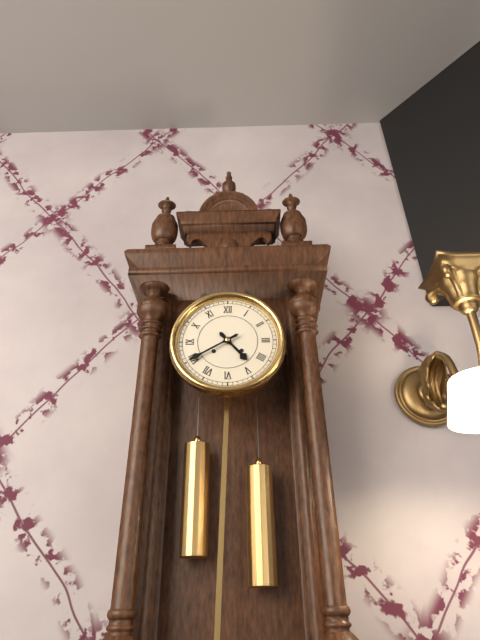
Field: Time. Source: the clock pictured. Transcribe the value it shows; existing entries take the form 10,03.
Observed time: 4,40
